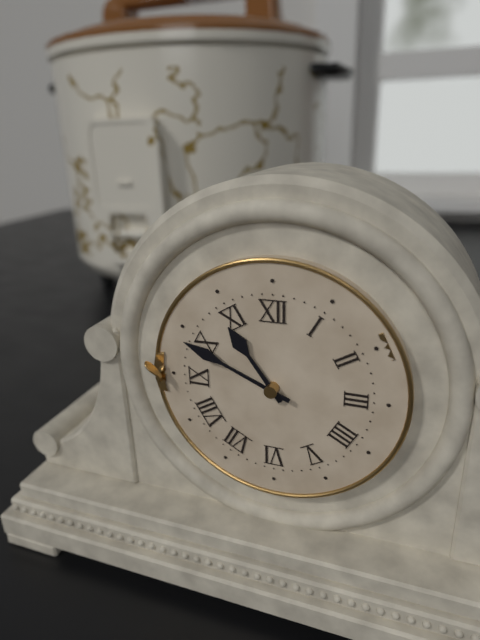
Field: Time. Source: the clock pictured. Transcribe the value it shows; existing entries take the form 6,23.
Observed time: 10,49
